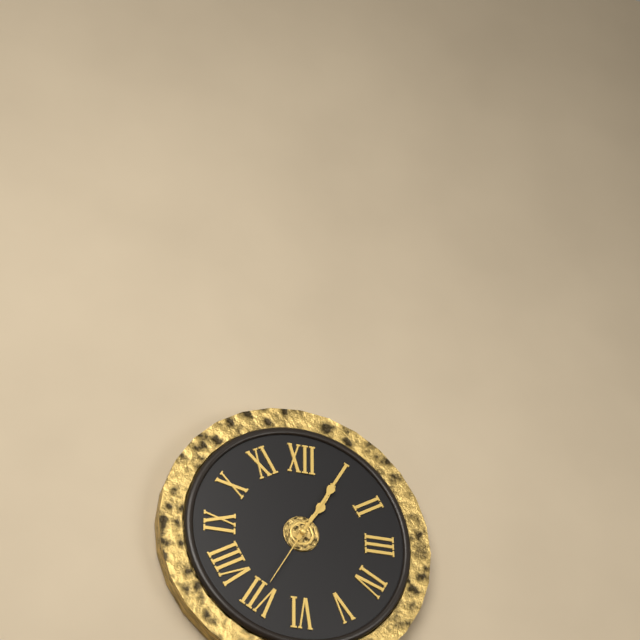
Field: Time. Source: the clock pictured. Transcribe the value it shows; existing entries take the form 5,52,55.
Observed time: 1,05,35
